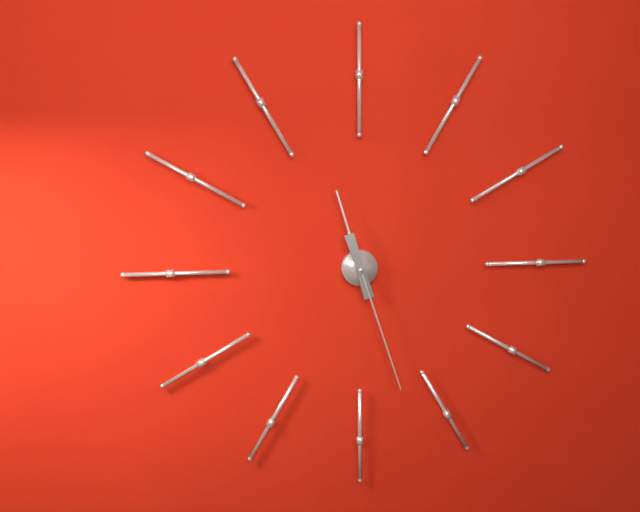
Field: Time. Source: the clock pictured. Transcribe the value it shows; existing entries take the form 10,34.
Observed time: 11,27
